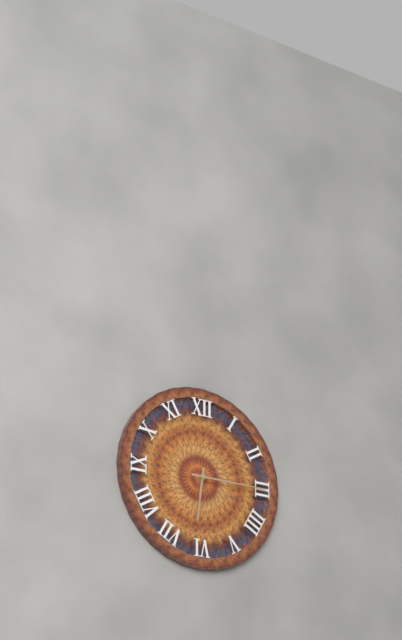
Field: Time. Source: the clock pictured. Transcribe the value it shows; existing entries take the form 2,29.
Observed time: 6,15
